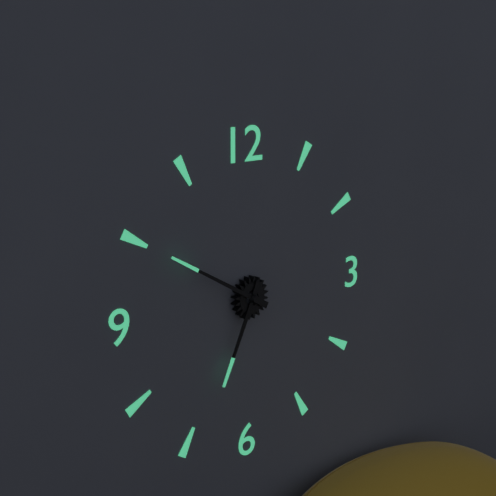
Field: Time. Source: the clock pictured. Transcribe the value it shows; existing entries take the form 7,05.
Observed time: 6,50
